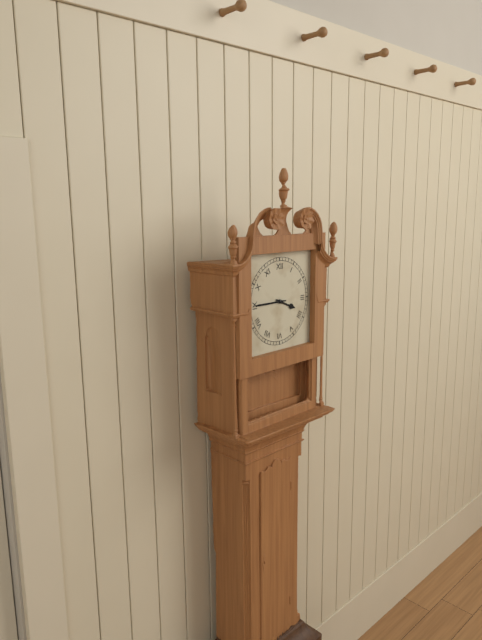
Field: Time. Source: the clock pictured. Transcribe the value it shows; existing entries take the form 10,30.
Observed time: 3,45
